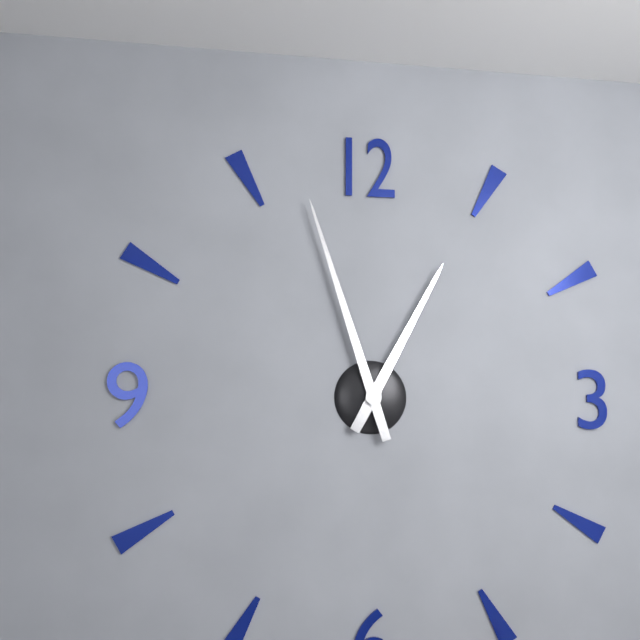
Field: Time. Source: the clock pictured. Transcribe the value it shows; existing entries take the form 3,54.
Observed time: 12,57
